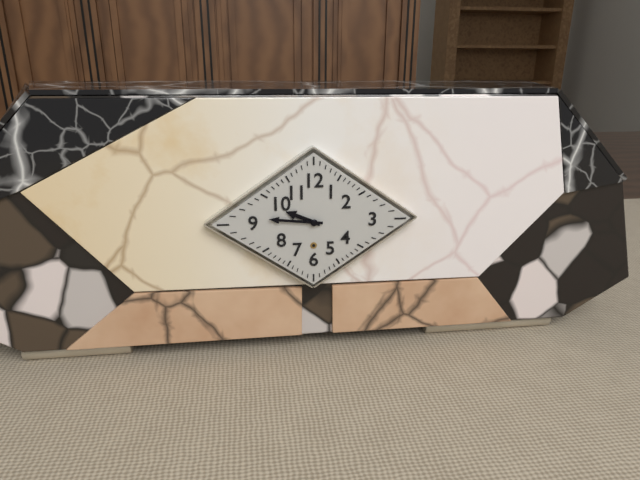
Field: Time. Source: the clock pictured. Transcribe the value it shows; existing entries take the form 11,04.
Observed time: 9,46
